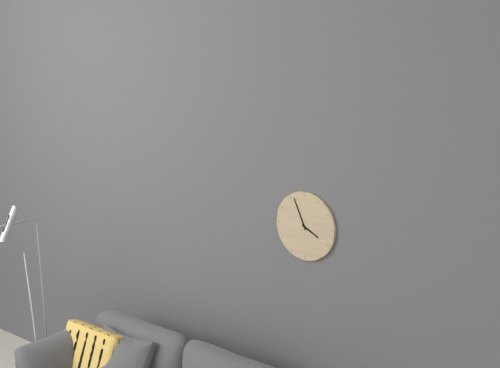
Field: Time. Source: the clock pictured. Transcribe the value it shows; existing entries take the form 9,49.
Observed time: 3,56
